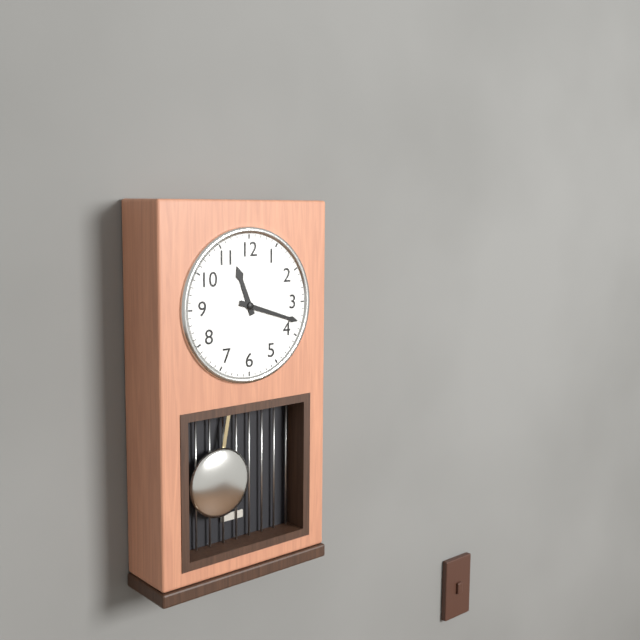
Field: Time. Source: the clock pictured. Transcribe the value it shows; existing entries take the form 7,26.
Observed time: 11,18
